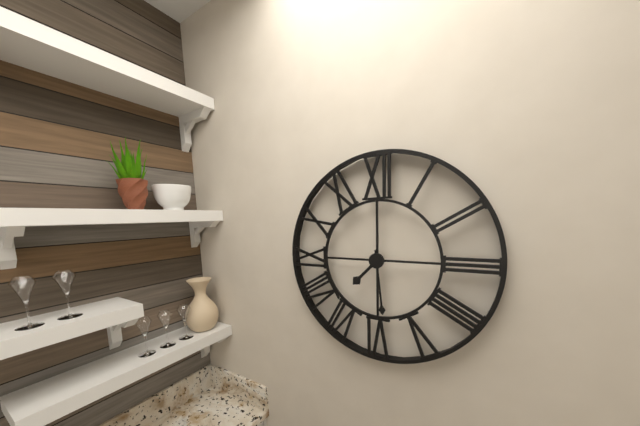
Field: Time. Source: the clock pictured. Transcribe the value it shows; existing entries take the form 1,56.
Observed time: 7,29
